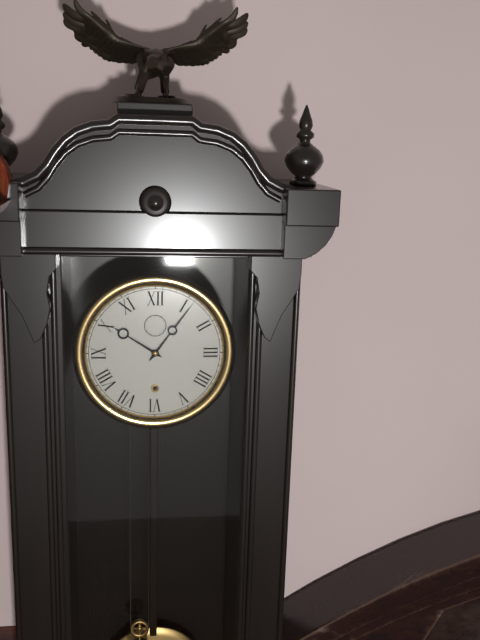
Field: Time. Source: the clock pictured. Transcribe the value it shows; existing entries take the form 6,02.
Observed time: 10,06
